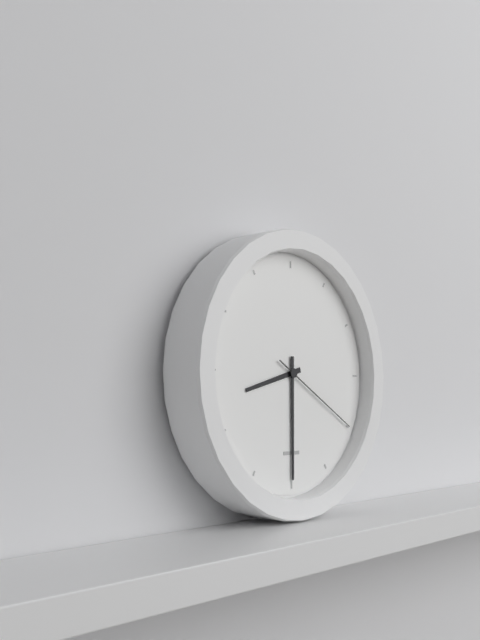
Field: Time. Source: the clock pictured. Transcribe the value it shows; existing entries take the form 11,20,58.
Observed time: 8,30,20
